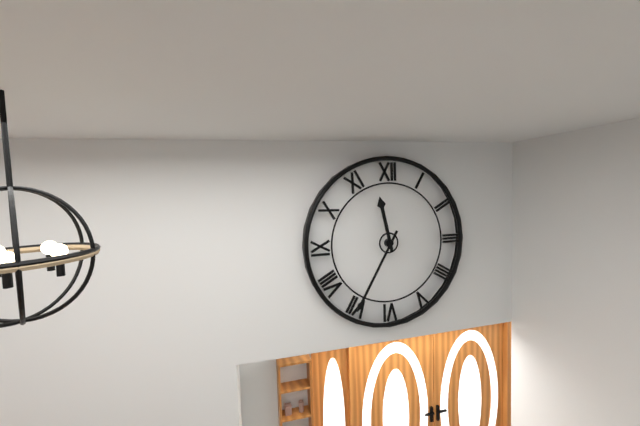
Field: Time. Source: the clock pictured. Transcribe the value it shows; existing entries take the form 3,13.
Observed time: 11,35
